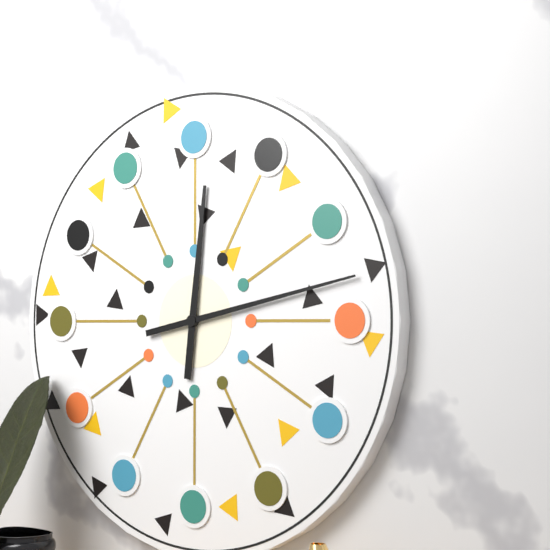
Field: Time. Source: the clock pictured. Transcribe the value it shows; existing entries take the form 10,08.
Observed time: 12,13
